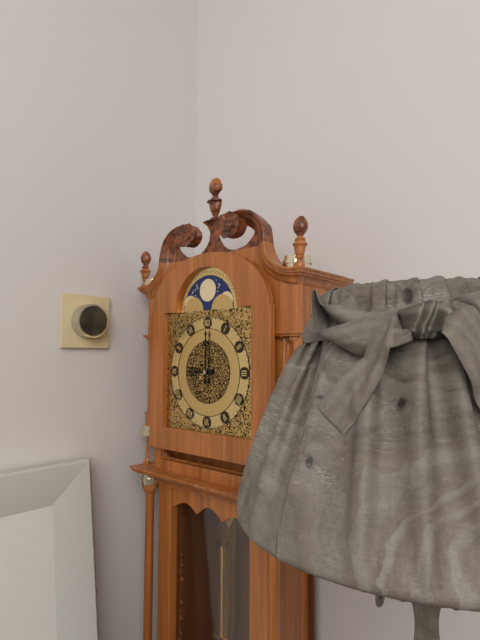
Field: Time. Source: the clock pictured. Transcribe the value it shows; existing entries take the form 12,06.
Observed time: 9,00
